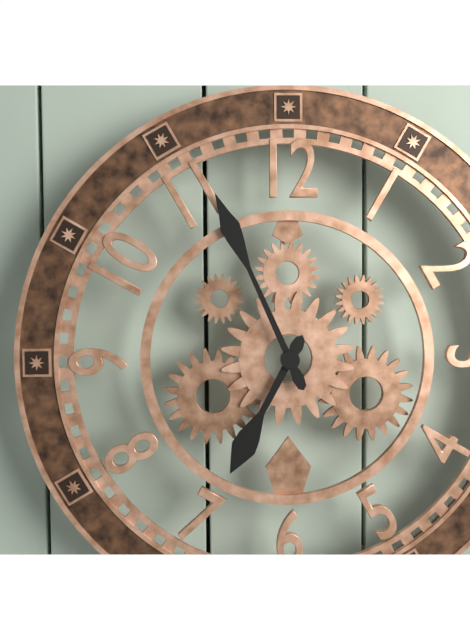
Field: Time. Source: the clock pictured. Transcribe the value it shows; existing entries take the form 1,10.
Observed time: 6,56
